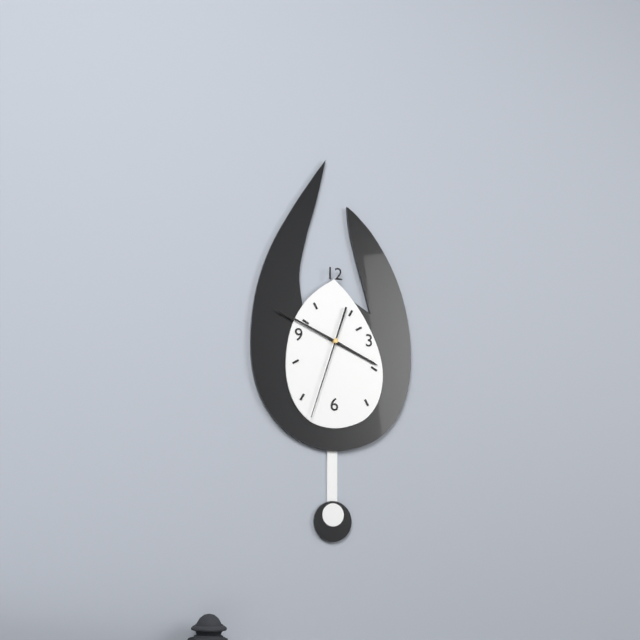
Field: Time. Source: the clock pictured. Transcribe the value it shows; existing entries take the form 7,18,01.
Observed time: 3,49,33
